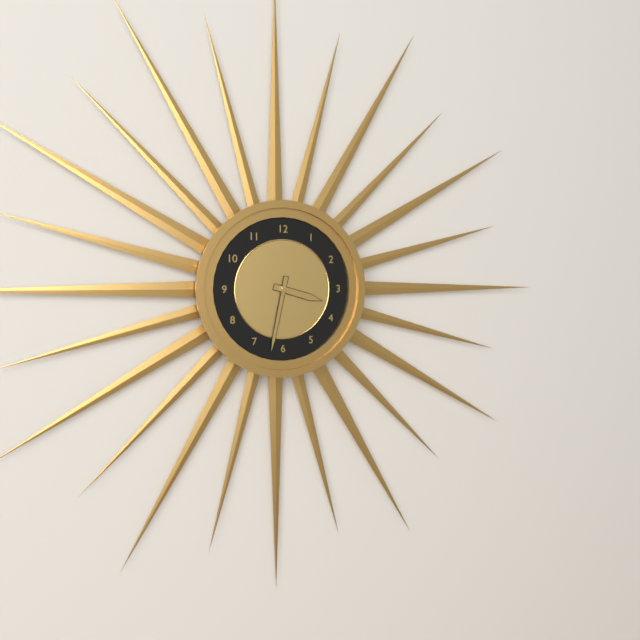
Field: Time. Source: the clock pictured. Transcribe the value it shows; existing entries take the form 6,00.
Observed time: 3,32
